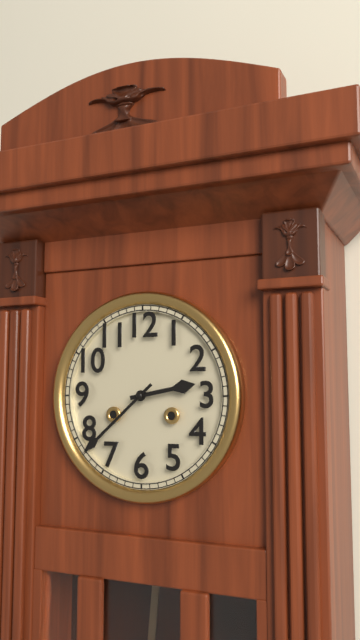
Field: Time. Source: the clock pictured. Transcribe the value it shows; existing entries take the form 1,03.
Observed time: 2,38
